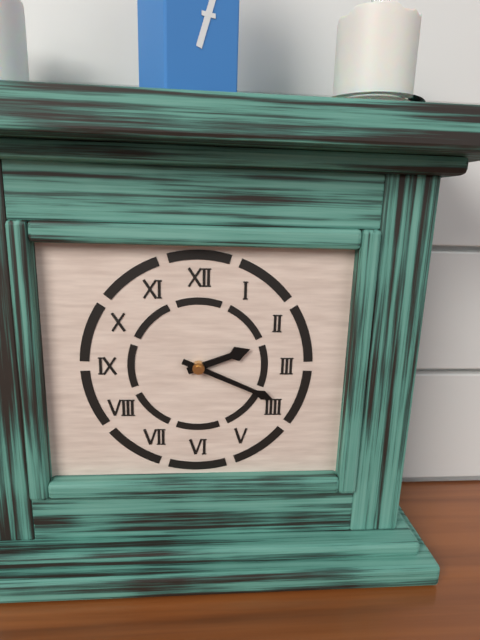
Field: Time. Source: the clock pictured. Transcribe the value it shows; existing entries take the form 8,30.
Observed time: 2,19
